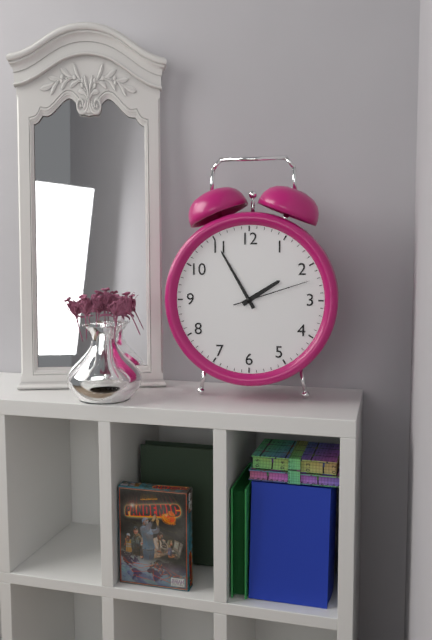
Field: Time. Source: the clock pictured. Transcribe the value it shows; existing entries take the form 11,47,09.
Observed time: 1,55,12
